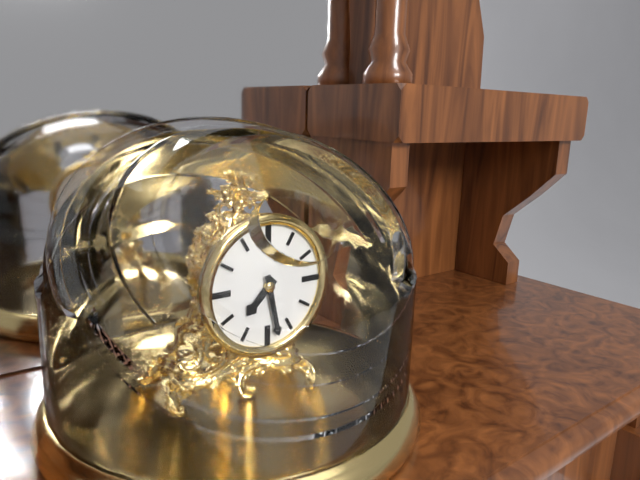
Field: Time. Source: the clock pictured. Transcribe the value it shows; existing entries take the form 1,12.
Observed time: 7,28
